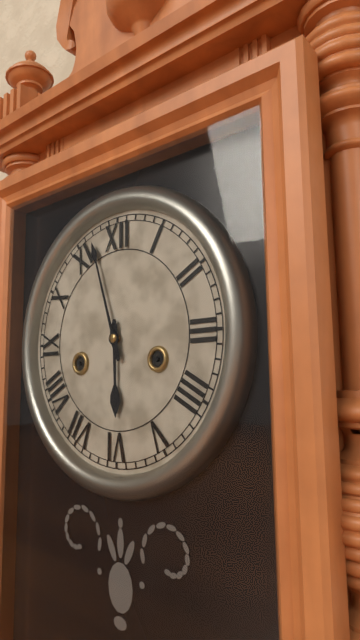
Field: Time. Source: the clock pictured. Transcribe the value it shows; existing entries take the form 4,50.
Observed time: 5,57
